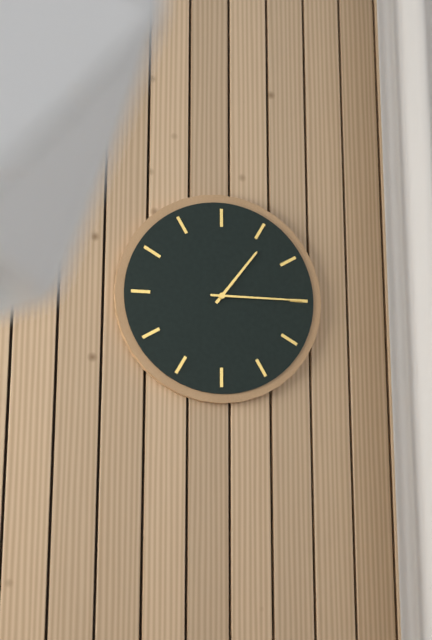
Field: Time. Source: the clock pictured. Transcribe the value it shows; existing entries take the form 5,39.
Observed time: 1,15
